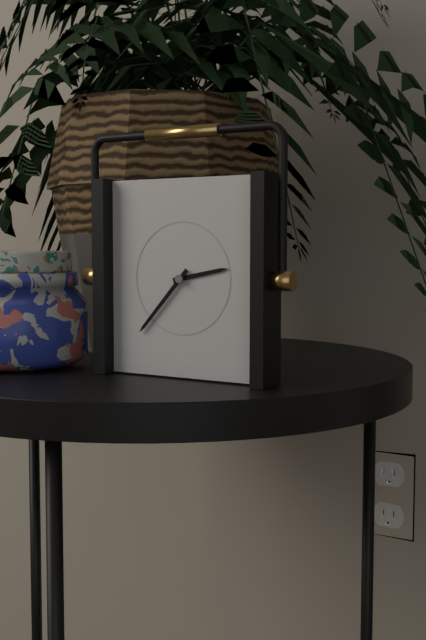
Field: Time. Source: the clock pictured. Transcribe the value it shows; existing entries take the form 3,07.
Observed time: 2,37
